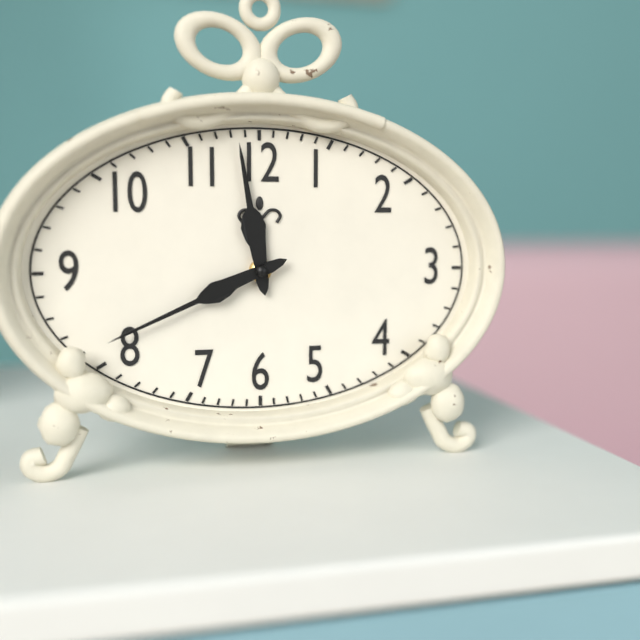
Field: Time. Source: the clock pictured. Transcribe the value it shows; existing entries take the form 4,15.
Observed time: 11,41
